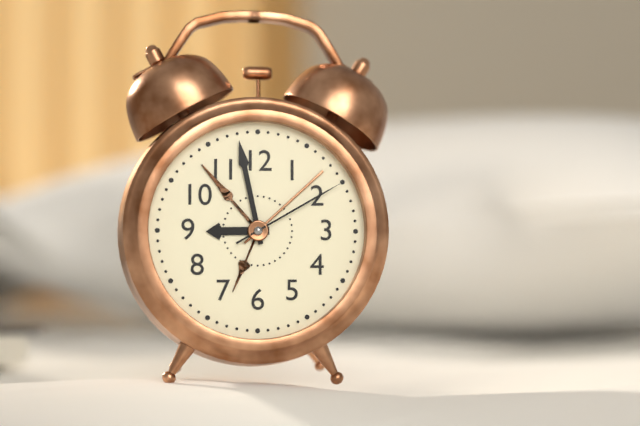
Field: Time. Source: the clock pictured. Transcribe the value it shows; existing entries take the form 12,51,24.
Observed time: 8,58,10
